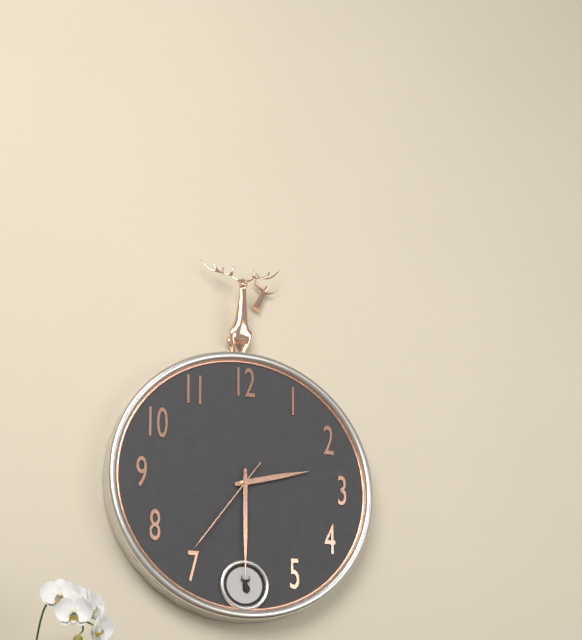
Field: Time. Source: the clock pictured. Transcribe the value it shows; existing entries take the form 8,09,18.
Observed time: 2,30,36
